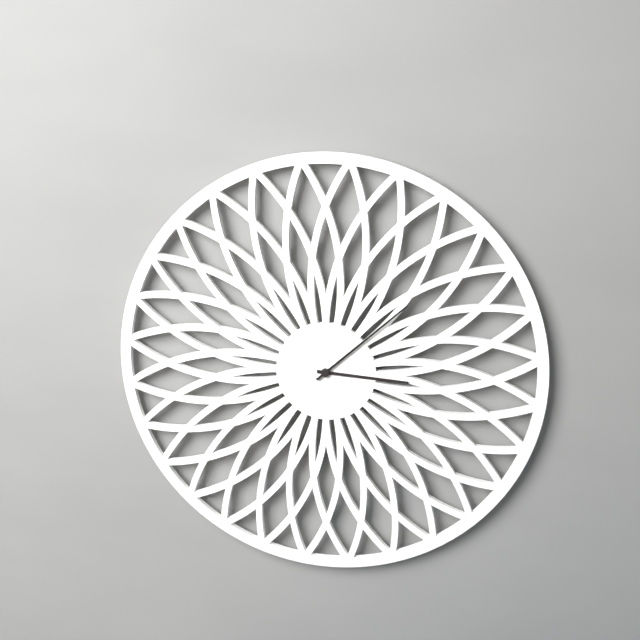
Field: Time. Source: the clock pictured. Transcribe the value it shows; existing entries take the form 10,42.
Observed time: 3,08
